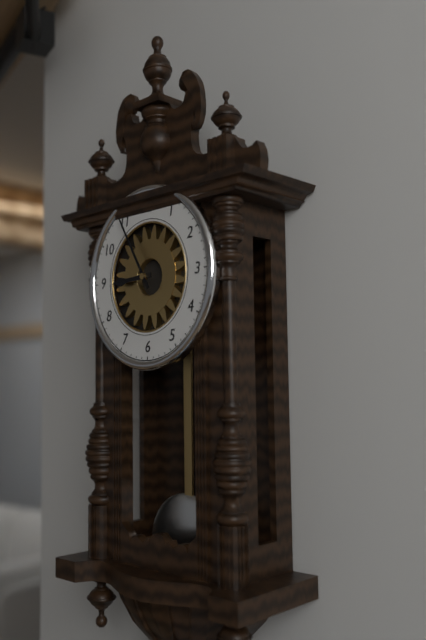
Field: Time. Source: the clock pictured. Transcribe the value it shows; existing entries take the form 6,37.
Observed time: 8,55
